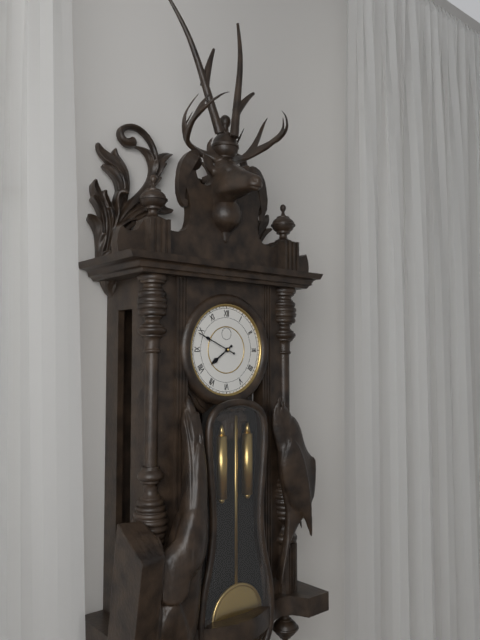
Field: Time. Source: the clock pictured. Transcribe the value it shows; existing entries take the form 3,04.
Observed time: 7,49
